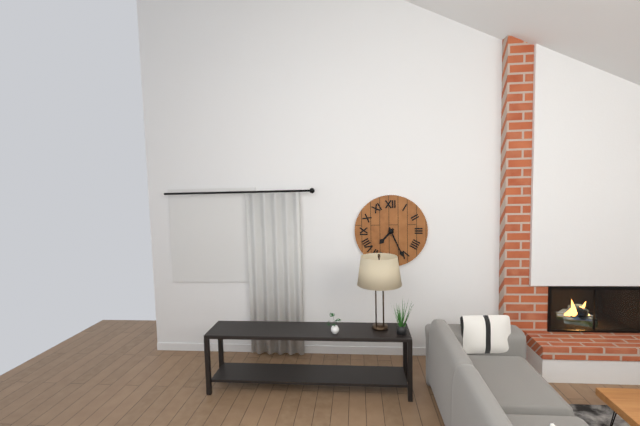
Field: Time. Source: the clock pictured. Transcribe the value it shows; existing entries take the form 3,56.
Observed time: 7,26
